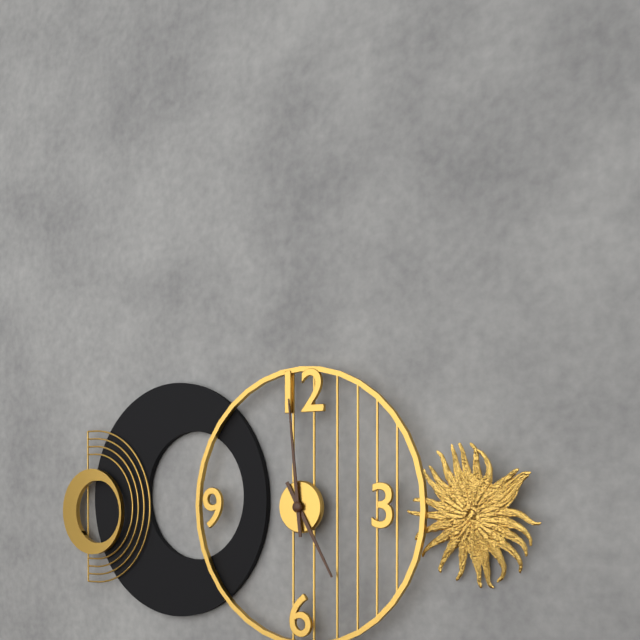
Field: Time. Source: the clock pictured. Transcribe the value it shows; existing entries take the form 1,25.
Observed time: 4,59
